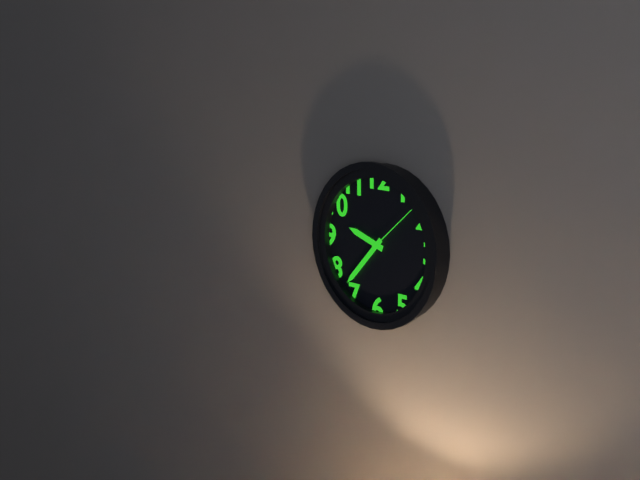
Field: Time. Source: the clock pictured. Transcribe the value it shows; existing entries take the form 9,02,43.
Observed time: 9,37,08
